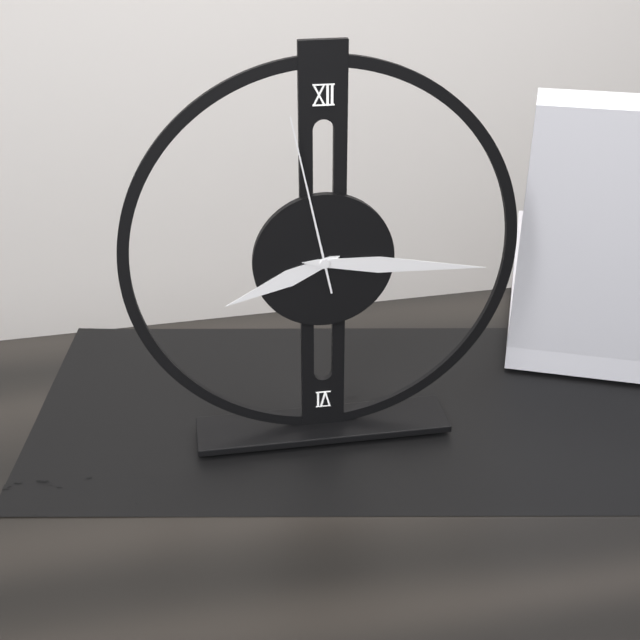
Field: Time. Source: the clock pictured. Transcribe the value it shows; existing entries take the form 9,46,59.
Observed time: 8,16,58
